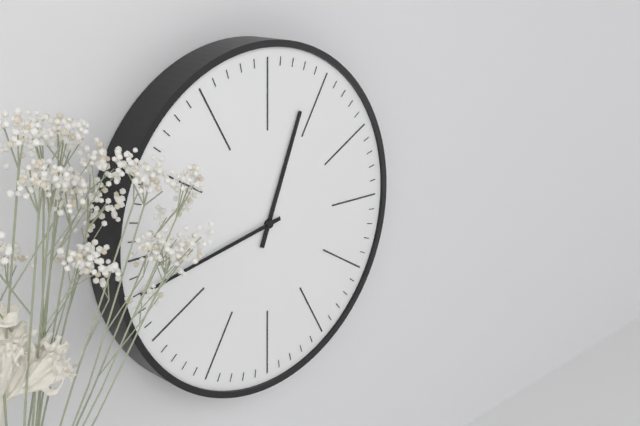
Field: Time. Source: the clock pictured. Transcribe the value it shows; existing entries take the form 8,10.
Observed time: 12,43
